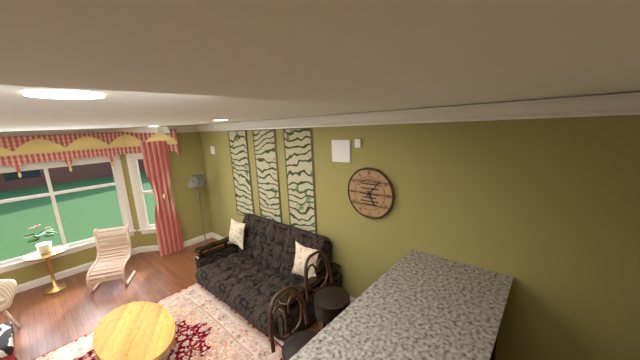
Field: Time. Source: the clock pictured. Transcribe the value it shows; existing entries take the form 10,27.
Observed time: 5,07
